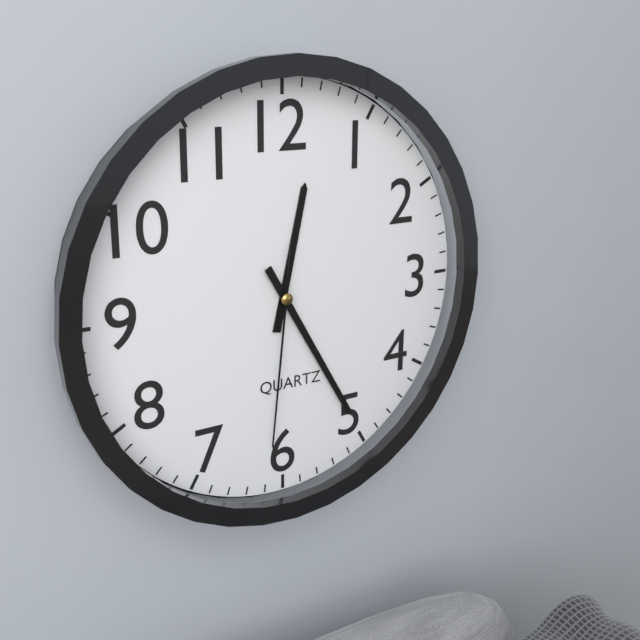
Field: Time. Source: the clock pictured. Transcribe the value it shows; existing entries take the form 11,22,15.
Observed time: 12,25,31
